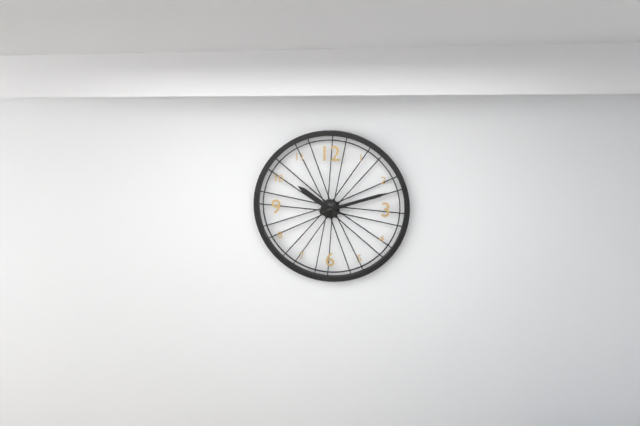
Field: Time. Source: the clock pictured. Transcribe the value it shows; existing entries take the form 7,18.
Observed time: 10,12
